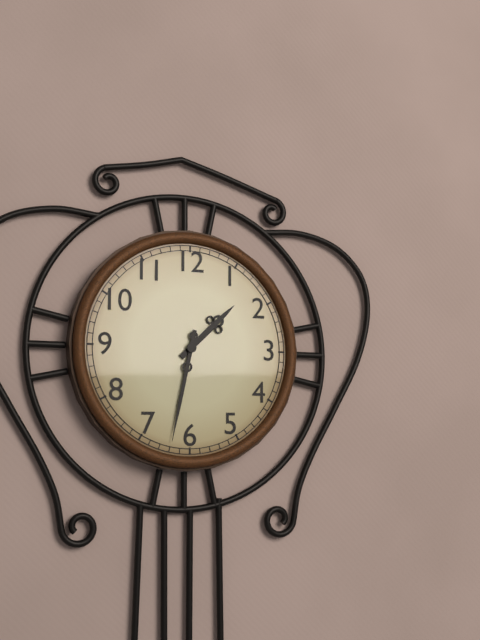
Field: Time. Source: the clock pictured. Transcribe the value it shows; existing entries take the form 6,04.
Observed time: 1,32
